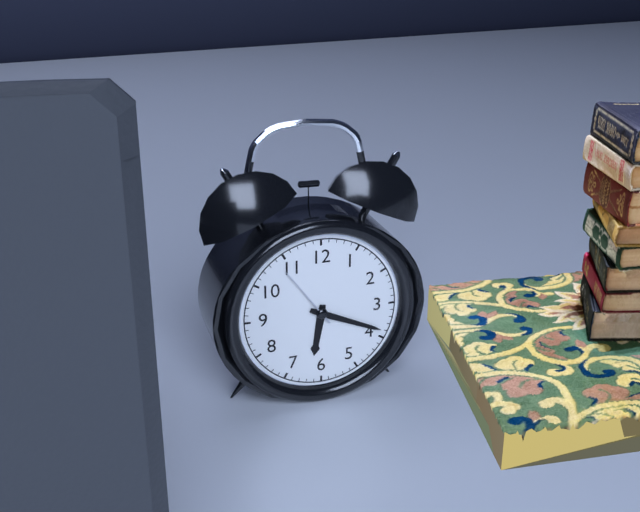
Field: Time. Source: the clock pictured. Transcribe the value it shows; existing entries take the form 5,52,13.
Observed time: 6,19,54
